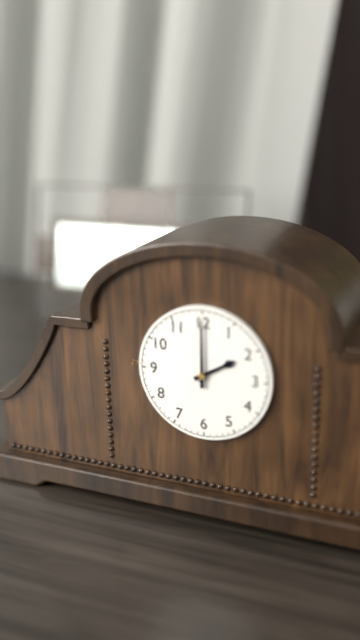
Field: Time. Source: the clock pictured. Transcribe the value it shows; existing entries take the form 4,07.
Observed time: 2,00
